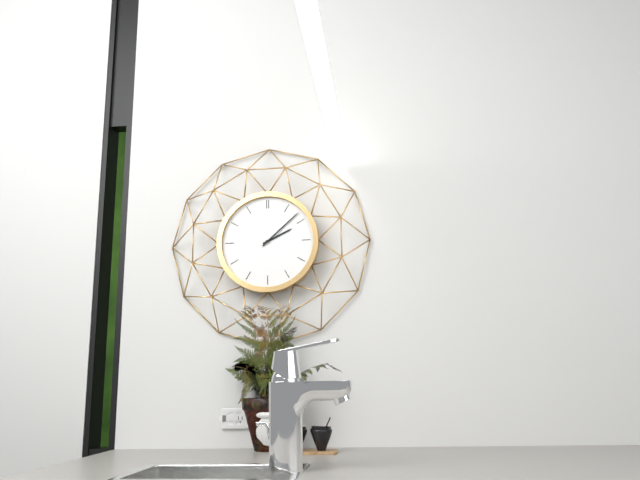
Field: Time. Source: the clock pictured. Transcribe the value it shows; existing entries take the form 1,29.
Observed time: 2,08
